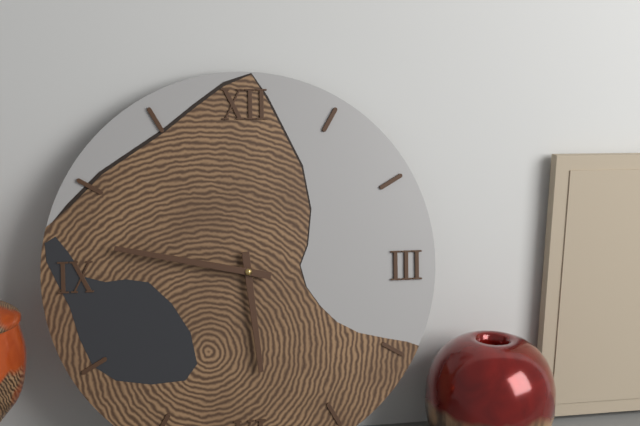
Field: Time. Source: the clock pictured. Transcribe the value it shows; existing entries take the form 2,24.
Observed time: 5,47
